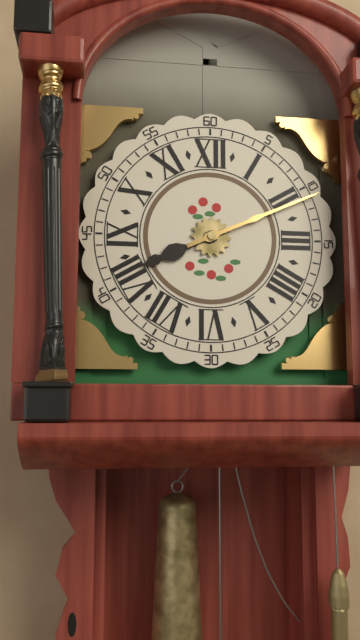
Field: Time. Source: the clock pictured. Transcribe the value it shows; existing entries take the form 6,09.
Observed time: 8,11
